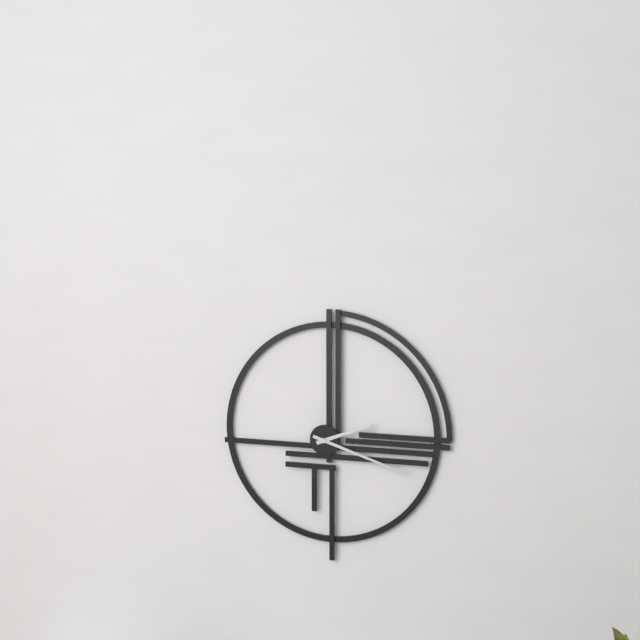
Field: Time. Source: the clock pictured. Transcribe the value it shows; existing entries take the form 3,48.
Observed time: 2,18
